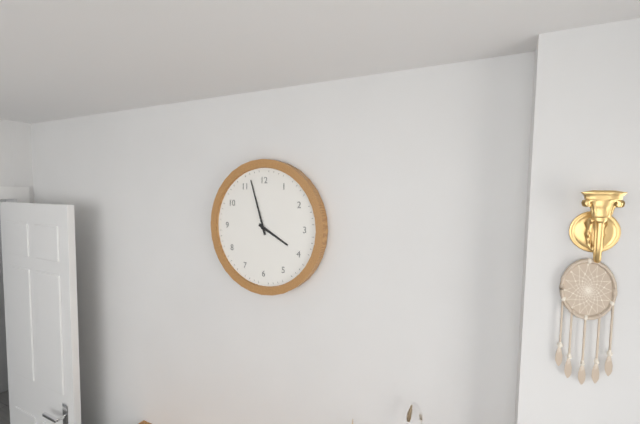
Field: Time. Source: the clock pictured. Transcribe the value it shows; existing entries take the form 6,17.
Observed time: 3,57
